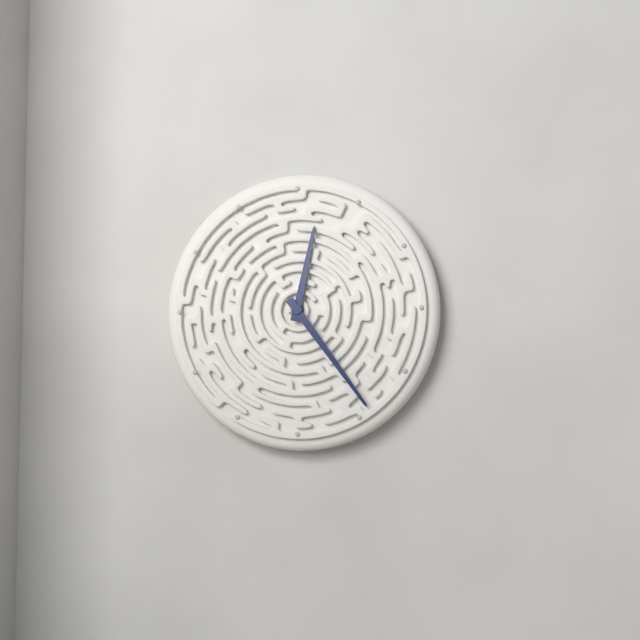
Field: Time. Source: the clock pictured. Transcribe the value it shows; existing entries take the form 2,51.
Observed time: 12,24
